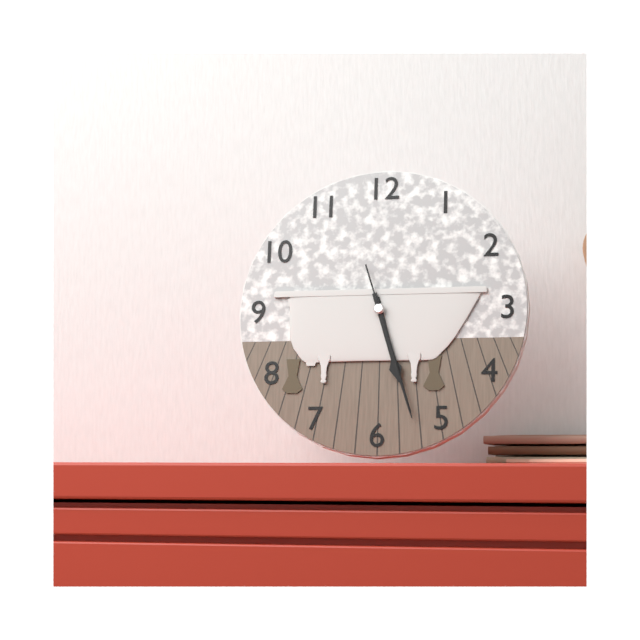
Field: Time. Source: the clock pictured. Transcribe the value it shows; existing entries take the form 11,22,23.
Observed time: 5,27,27
